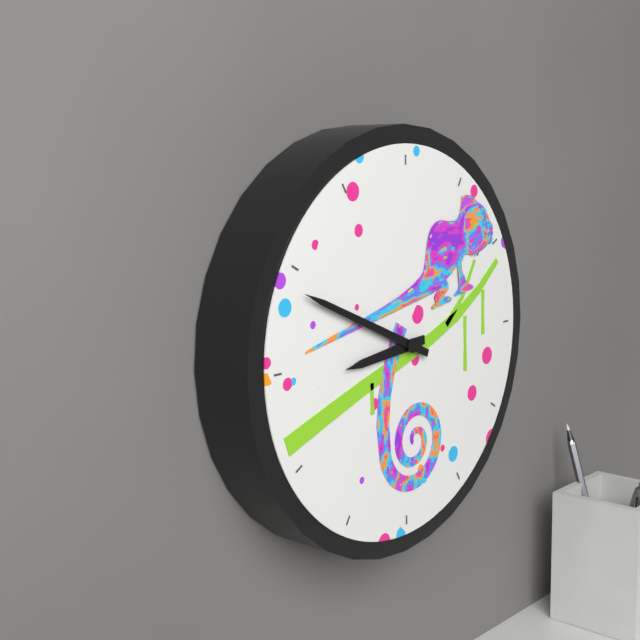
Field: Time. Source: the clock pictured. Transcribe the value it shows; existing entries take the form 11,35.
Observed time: 8,49
